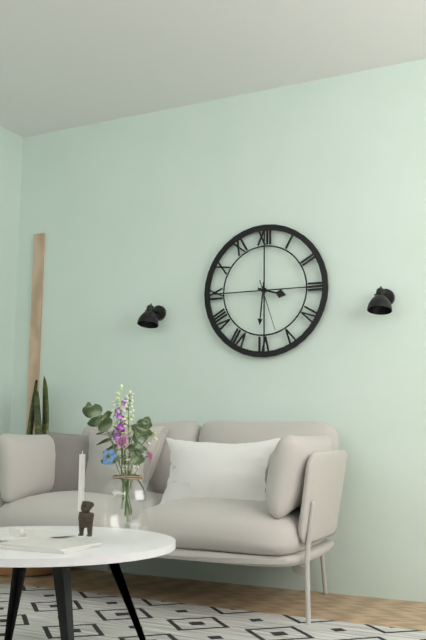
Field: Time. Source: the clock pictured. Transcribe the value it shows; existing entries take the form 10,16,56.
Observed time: 3,31,27
